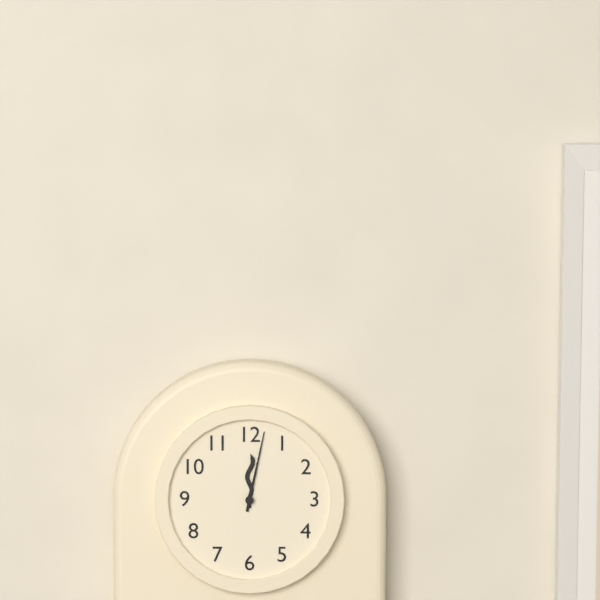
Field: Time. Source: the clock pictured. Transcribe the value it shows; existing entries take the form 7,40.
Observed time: 12,02
